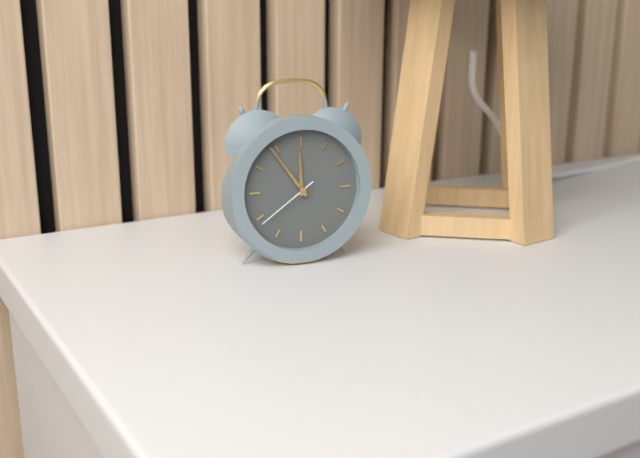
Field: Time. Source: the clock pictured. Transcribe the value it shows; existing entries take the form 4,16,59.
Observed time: 11,54,39
